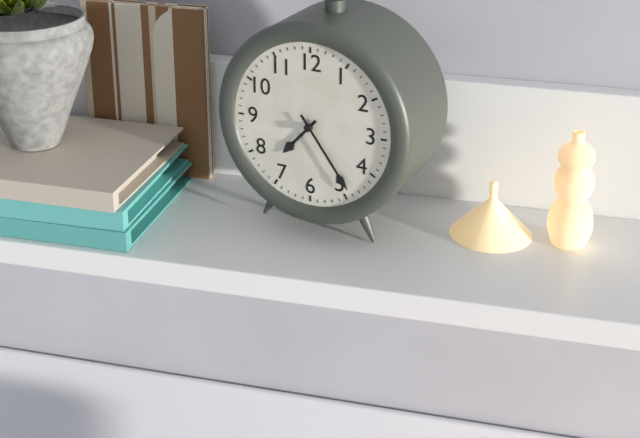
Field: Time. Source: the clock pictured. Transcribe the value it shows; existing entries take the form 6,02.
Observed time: 7,24
